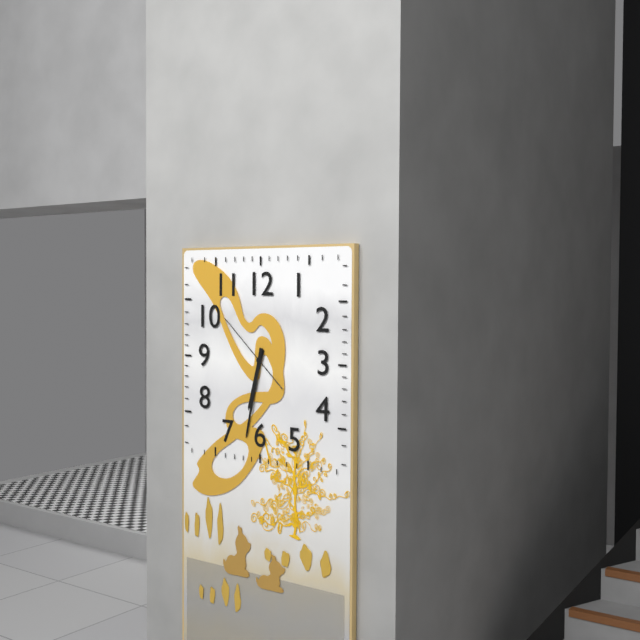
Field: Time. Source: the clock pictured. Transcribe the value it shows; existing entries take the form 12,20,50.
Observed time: 6,32,52
